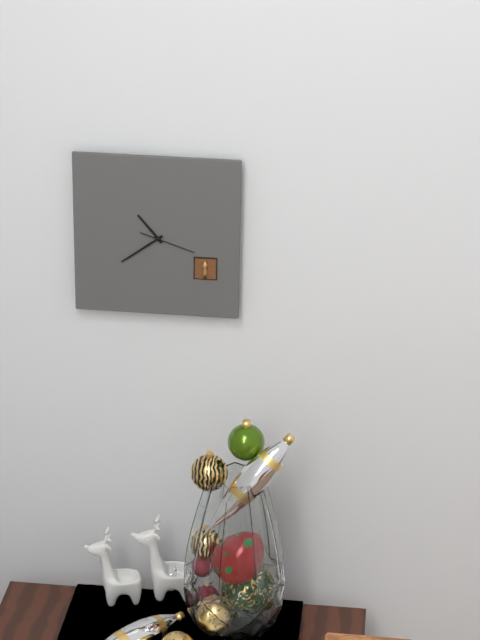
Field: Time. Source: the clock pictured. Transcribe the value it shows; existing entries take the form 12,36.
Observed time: 10,39
